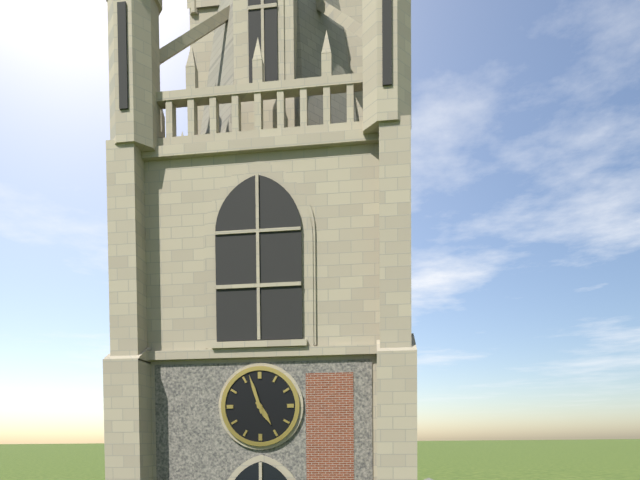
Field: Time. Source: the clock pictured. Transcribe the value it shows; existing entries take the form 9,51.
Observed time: 4,57
